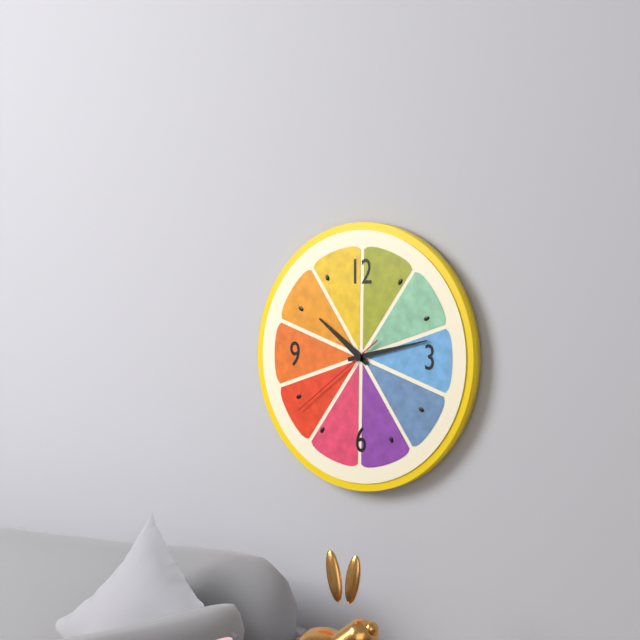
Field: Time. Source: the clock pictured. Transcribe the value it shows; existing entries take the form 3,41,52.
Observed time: 10,13,39
